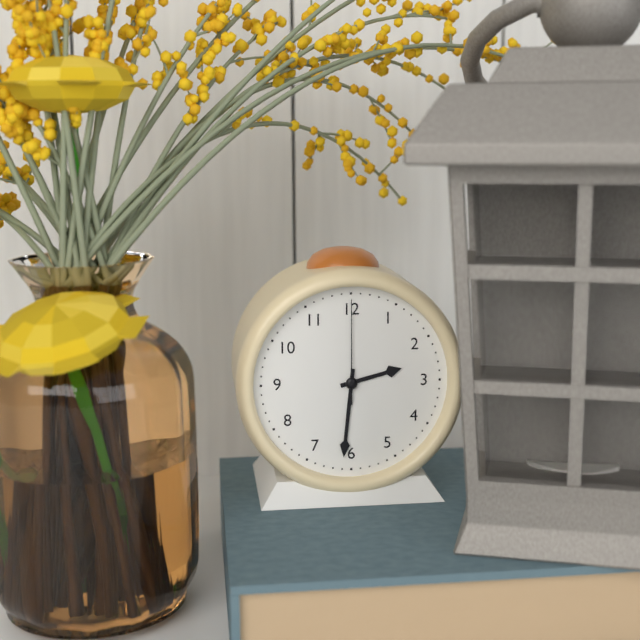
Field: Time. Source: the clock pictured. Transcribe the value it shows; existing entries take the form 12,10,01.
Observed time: 2,31,00
